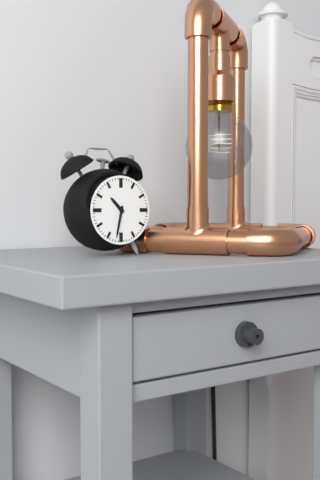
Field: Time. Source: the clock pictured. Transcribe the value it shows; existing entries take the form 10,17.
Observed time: 10,32
